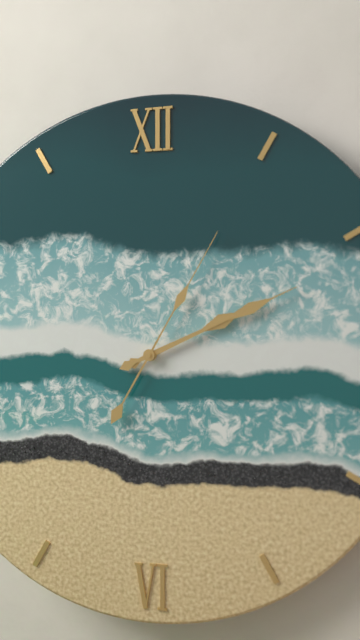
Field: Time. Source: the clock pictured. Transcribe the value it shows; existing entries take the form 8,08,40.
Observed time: 2,11,05
